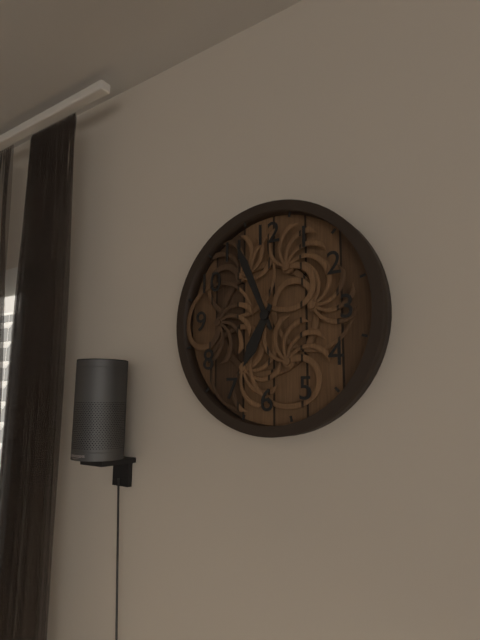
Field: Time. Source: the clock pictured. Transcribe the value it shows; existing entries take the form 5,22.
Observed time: 6,56
